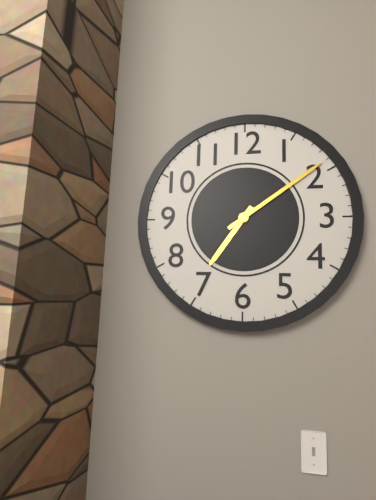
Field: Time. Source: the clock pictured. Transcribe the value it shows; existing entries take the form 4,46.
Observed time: 7,09
